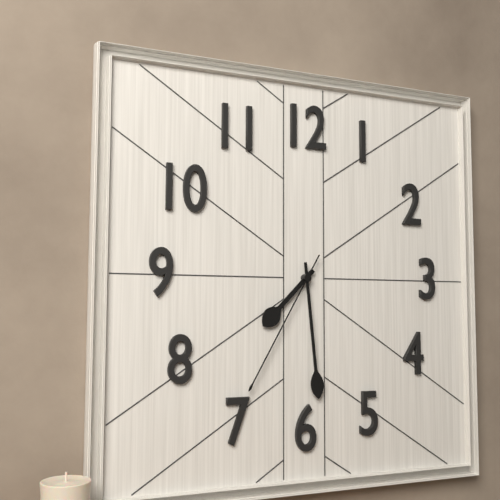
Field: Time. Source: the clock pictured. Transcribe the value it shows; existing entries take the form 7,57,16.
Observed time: 7,29,35
